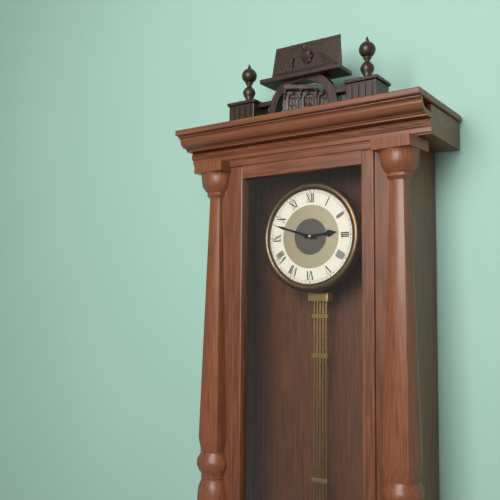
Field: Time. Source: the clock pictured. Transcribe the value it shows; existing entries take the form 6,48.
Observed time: 2,48
